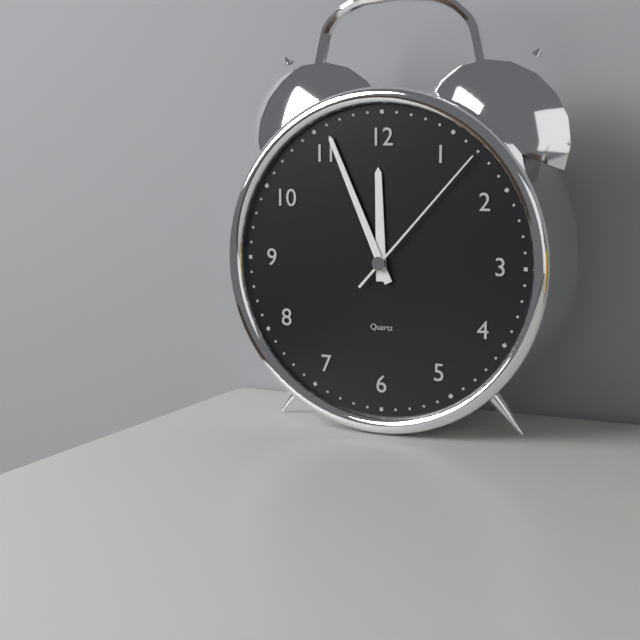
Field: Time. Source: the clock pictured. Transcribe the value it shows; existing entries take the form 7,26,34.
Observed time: 11,56,07
